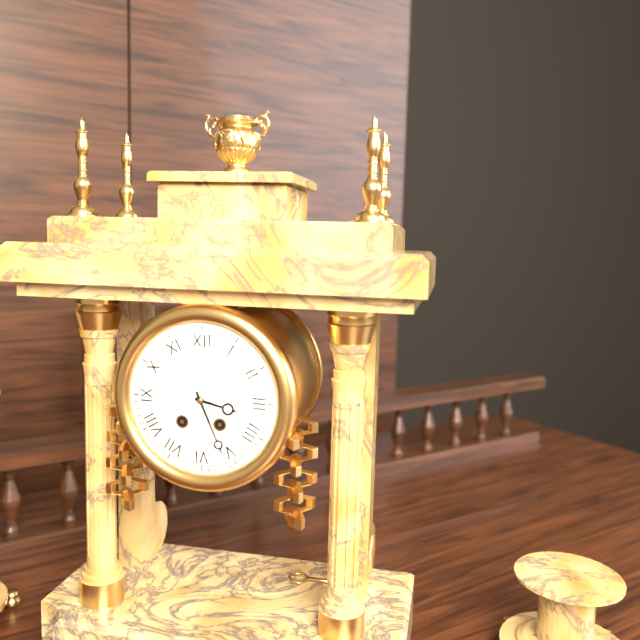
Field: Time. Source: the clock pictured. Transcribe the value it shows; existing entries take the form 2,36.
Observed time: 3,26
